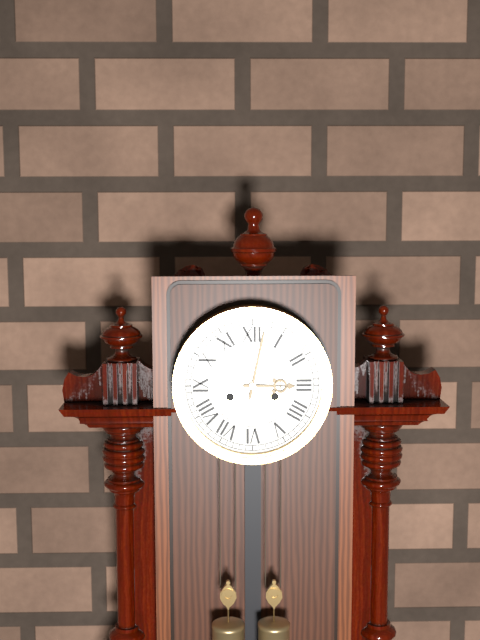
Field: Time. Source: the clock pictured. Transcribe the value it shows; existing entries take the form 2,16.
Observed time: 3,02
